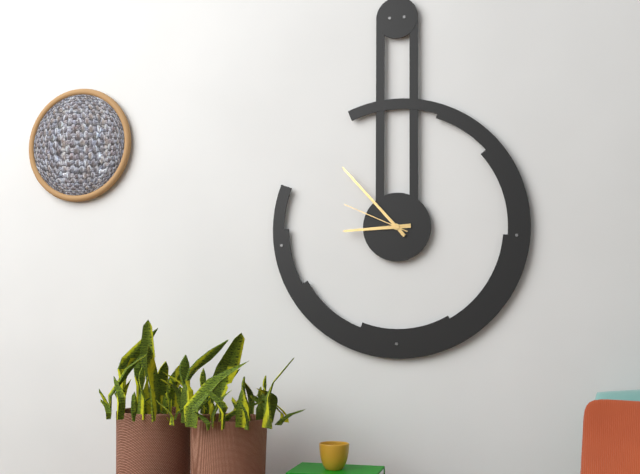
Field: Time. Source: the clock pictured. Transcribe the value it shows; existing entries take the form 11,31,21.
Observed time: 8,53,49
